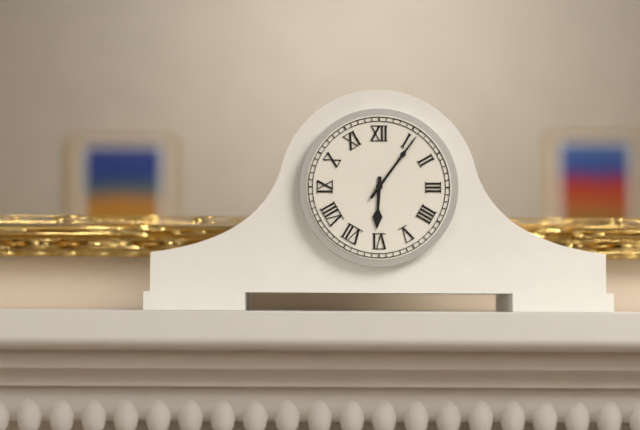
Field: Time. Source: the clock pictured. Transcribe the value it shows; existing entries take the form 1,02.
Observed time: 6,06
